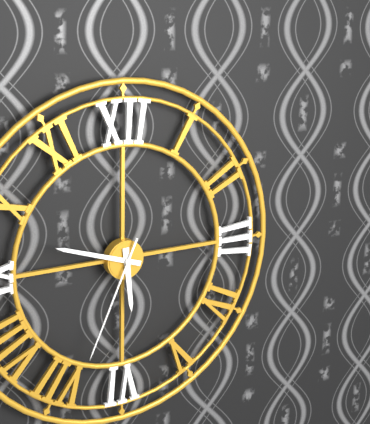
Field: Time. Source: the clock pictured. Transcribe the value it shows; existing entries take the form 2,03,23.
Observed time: 5,48,34
